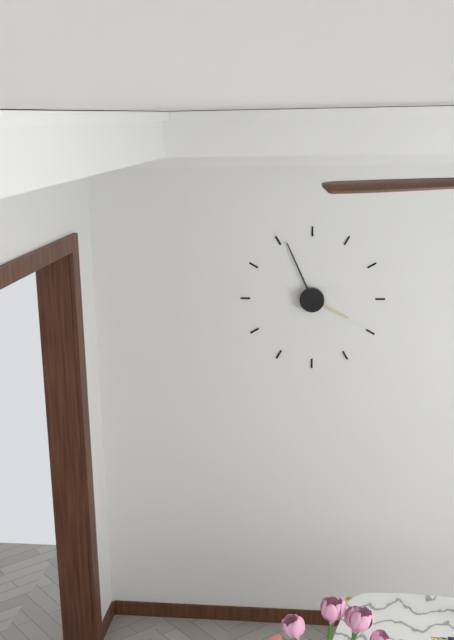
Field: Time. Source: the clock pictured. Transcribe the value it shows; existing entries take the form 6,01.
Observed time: 3,56
